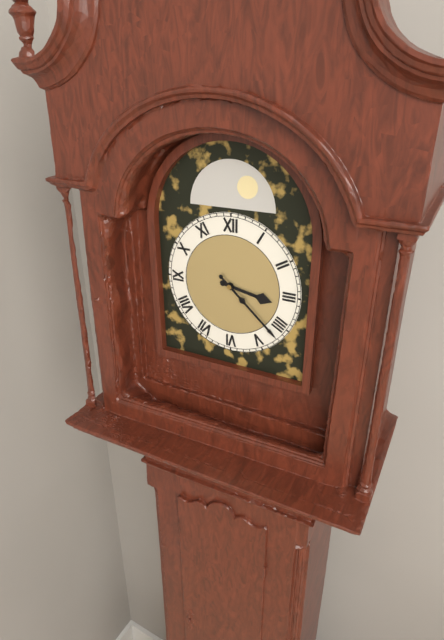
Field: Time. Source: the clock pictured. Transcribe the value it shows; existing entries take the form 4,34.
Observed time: 3,22
